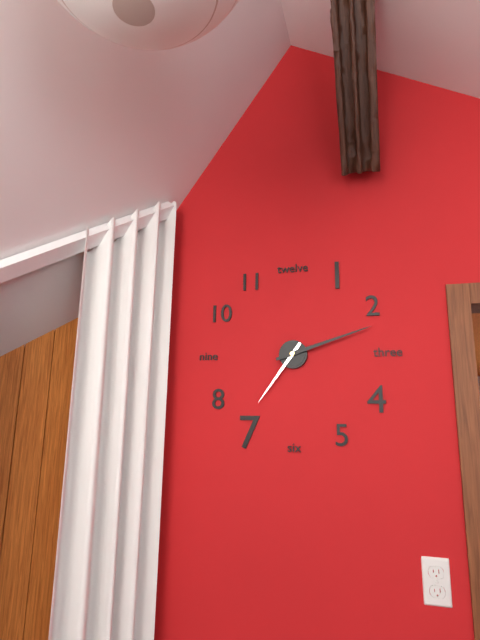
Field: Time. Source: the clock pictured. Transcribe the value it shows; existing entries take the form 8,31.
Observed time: 7,12
